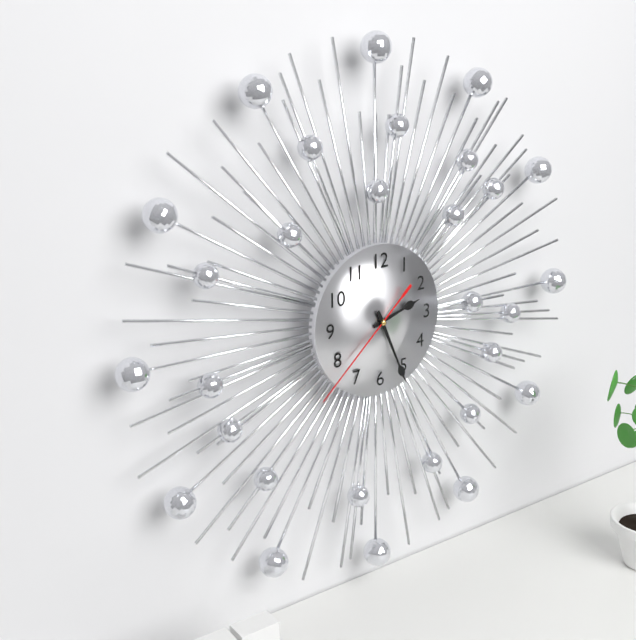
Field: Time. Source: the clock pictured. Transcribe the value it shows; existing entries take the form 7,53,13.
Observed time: 2,26,38
